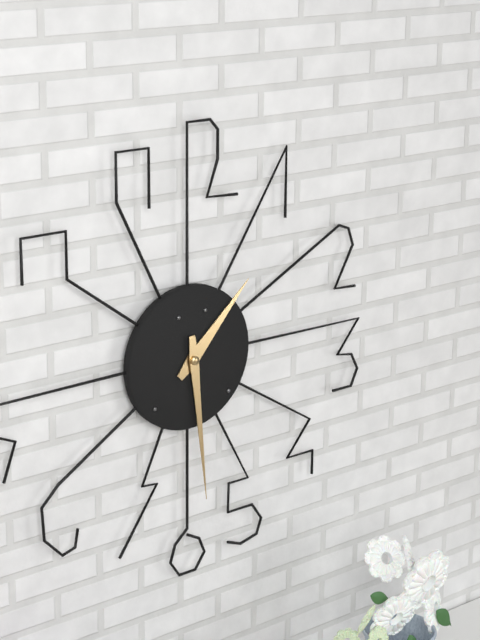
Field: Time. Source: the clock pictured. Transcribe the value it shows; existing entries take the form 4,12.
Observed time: 1,29
